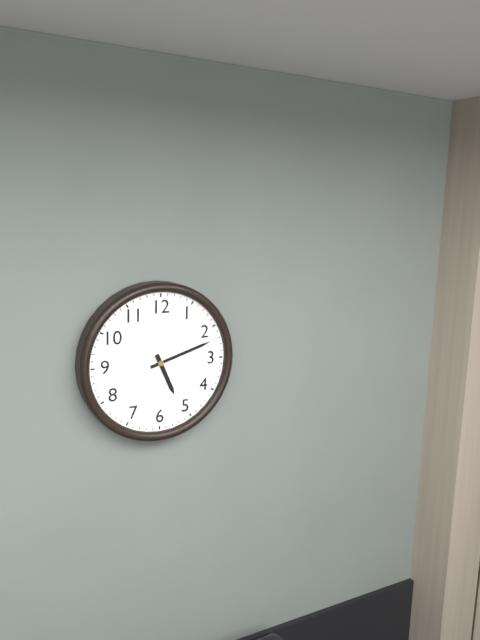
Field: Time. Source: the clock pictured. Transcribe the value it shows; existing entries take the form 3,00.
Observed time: 5,12
